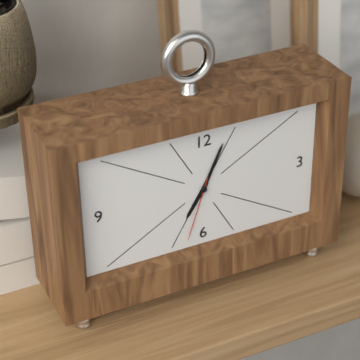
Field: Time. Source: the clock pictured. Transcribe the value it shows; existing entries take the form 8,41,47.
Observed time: 7,04,33
